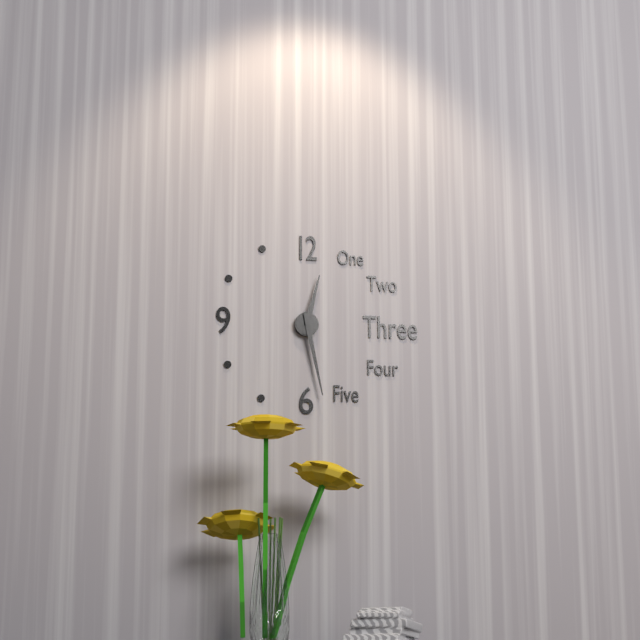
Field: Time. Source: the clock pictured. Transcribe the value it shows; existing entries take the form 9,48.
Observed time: 12,28
